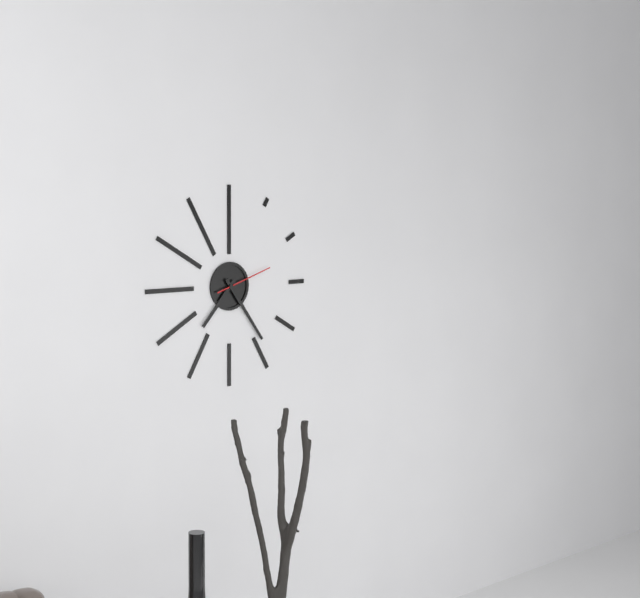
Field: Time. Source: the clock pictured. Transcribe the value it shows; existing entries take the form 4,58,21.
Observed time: 7,24,12
